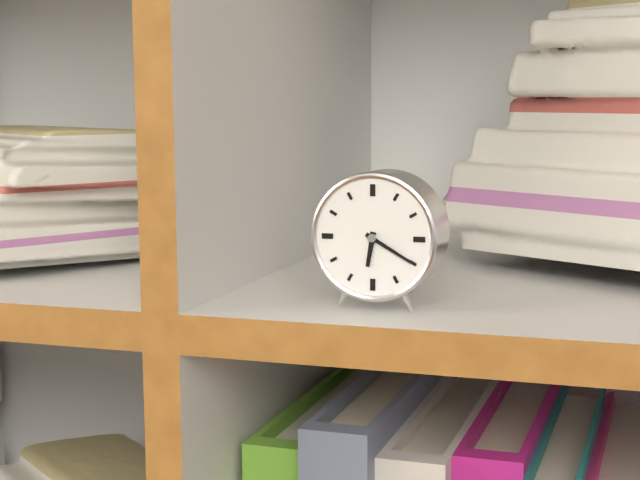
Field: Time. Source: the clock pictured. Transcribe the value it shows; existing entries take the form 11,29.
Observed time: 6,20
